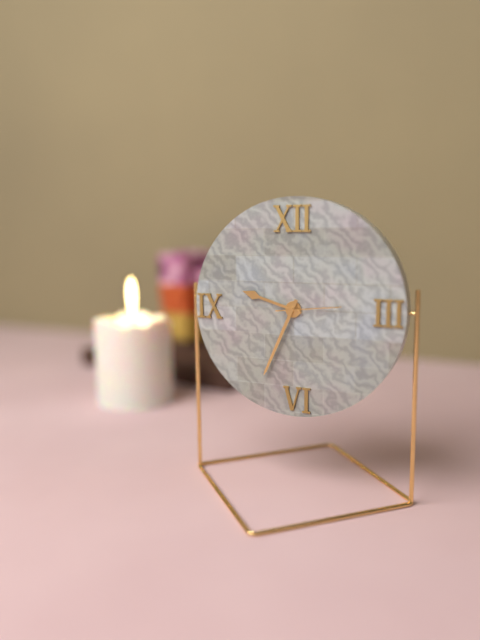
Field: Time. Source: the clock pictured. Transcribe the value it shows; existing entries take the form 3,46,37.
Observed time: 9,34,14
